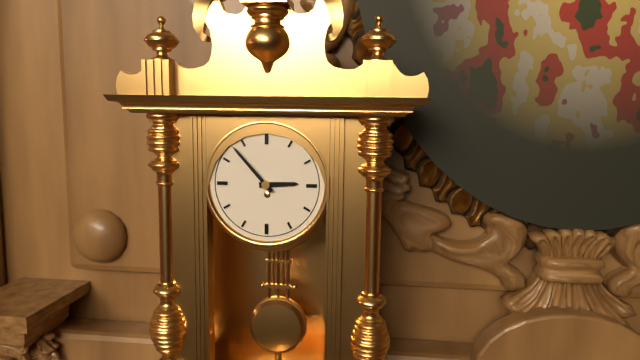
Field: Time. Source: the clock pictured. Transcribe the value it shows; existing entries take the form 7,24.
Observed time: 2,53
